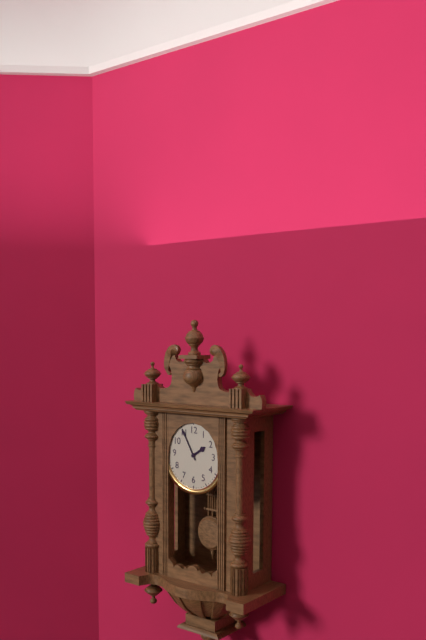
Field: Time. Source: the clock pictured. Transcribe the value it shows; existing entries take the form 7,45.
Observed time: 1,55
